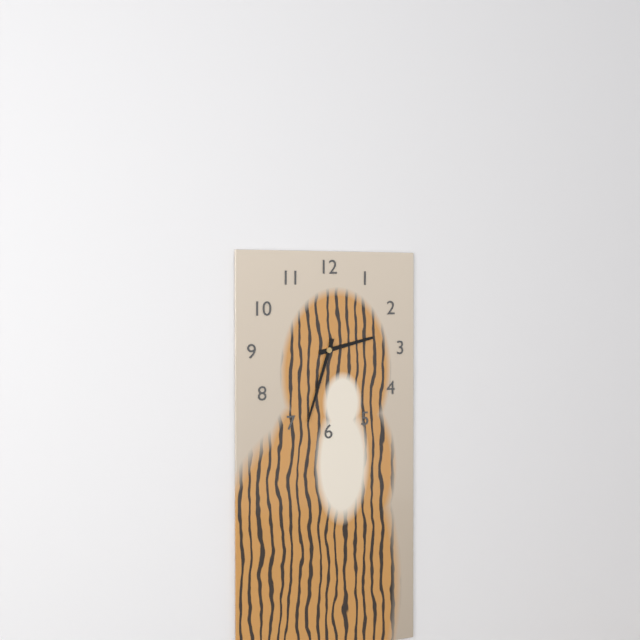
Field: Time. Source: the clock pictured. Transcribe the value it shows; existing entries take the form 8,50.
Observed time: 2,33
